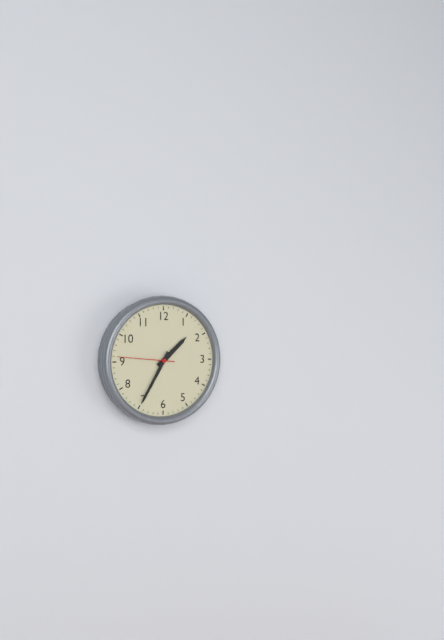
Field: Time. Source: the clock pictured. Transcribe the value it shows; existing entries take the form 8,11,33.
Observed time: 1,35,46
